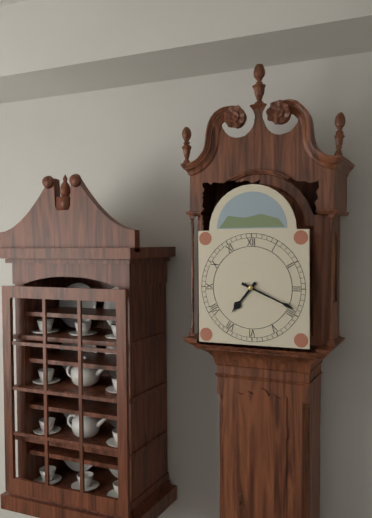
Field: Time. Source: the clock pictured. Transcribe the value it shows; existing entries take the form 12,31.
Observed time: 7,19
